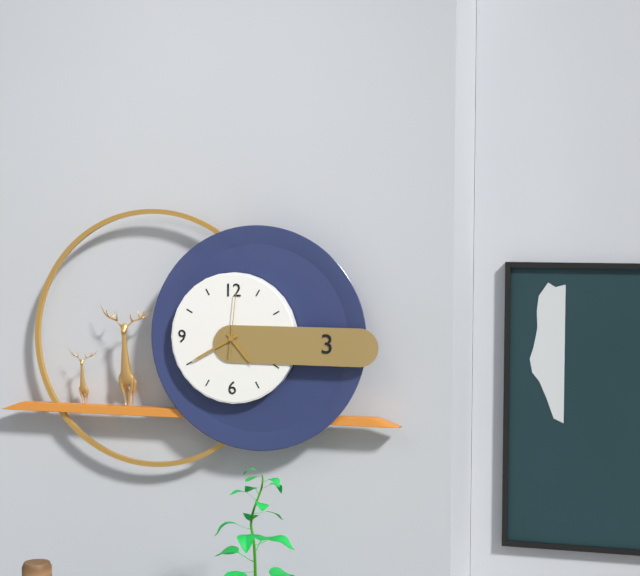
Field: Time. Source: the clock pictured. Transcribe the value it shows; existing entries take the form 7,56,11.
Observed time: 4,40,01
